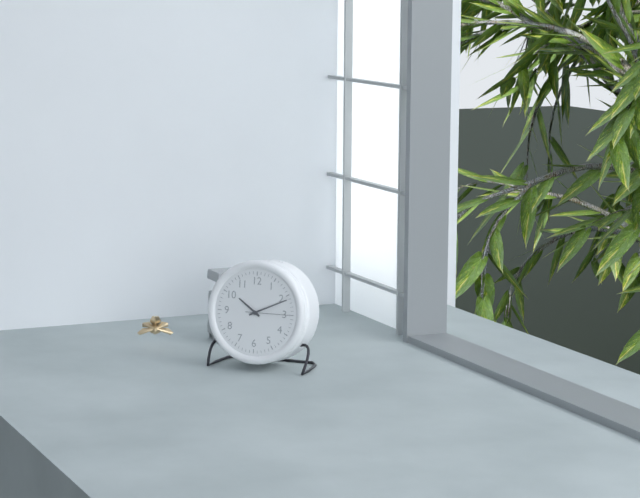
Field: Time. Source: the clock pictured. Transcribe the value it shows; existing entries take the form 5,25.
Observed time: 10,11
